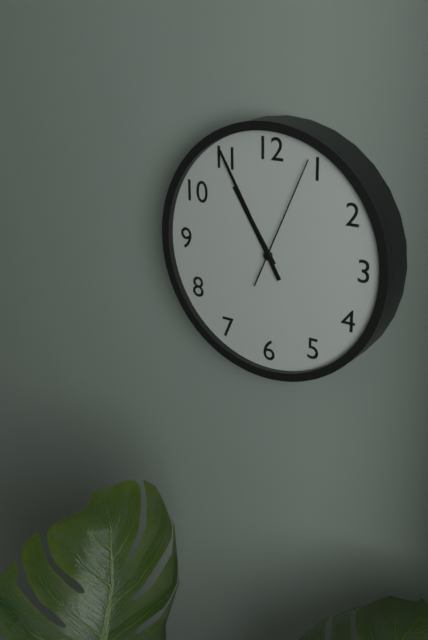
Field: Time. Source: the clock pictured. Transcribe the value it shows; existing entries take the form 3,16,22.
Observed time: 10,55,04
